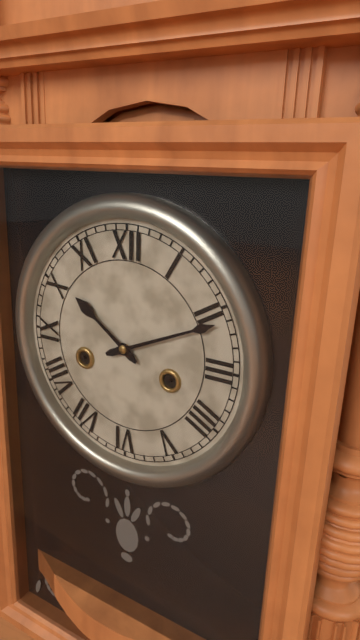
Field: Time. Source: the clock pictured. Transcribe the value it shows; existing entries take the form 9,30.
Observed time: 10,11
